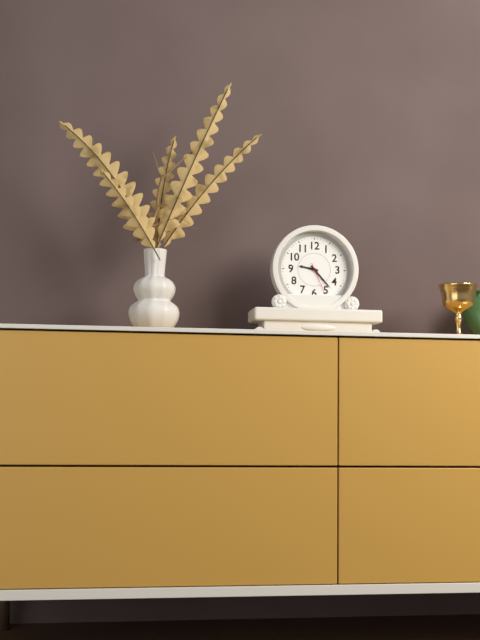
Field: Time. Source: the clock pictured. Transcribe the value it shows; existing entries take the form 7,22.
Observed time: 9,23
